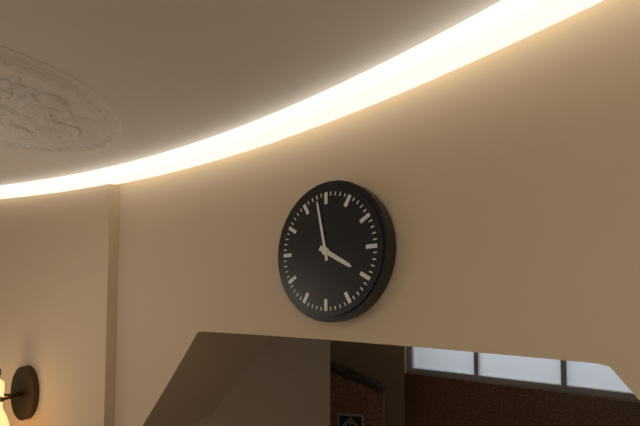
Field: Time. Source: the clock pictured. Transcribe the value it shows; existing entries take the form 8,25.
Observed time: 3,58
